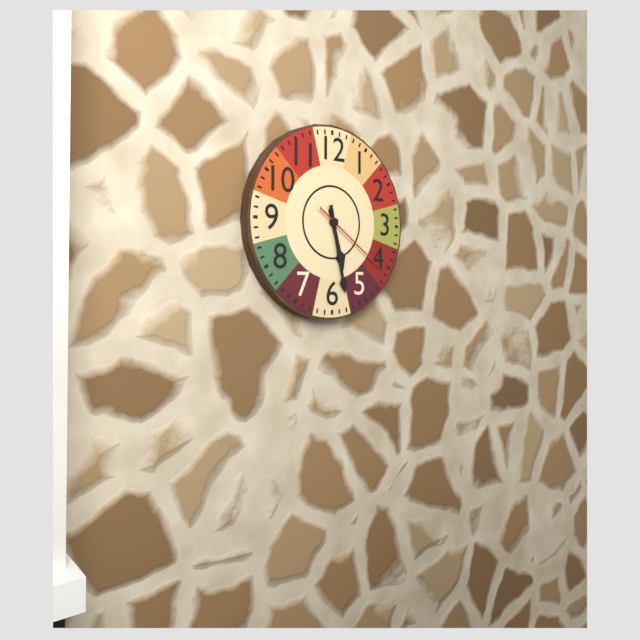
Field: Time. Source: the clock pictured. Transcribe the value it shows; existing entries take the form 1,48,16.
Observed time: 5,28,21
